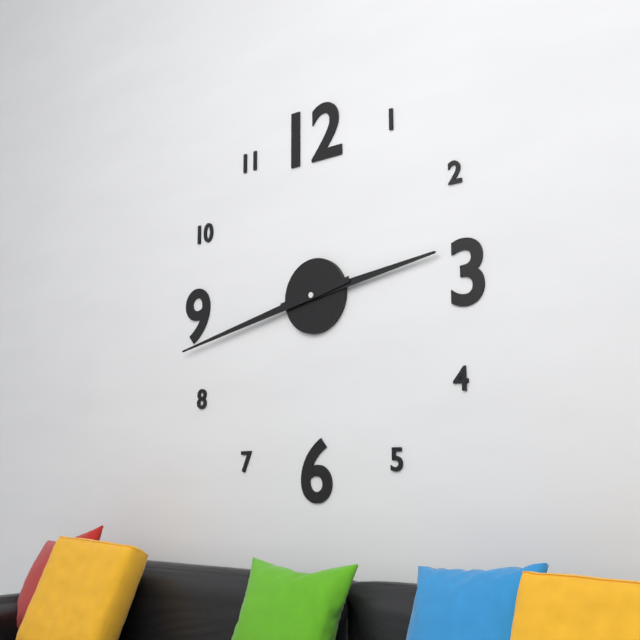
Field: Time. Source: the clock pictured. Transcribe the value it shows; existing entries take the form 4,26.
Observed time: 2,43
